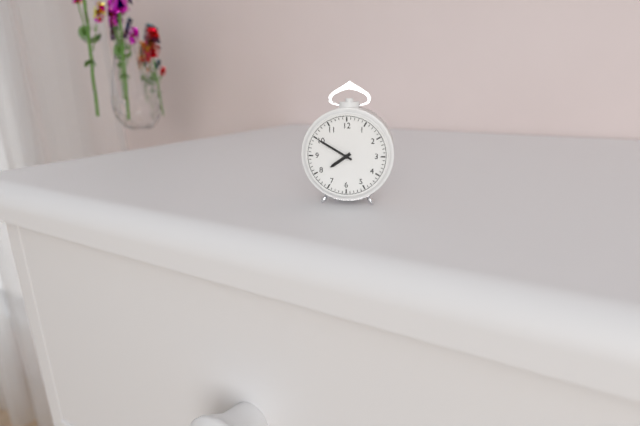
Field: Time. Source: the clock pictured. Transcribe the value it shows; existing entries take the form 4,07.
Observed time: 7,50
